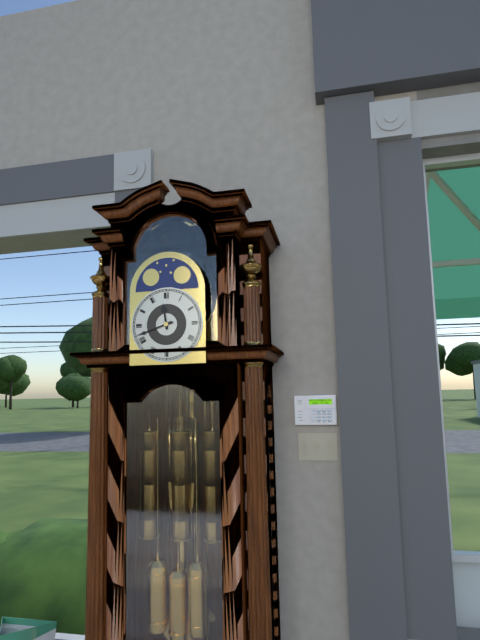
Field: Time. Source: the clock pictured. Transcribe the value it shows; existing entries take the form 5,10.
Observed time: 11,42
